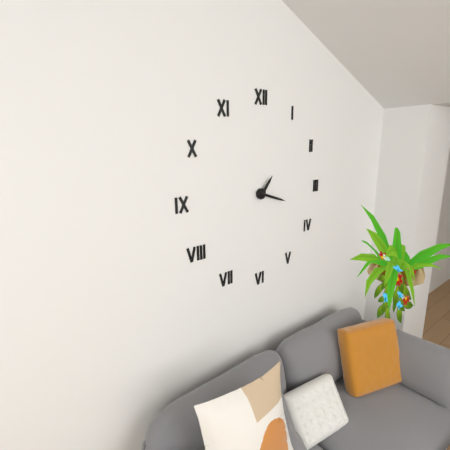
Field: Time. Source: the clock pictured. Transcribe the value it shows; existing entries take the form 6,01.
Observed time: 1,18
